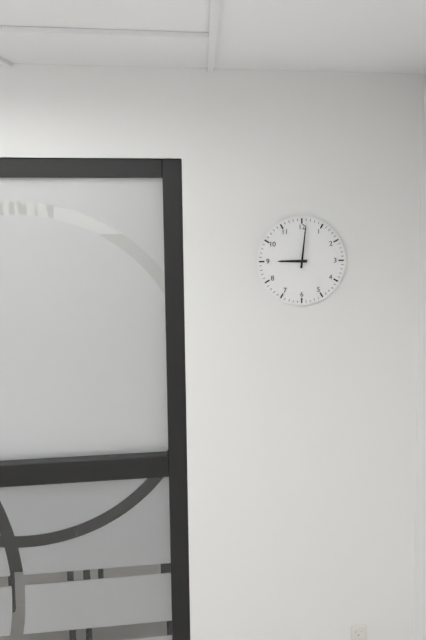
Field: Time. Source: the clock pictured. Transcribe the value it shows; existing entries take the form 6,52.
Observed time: 9,01
